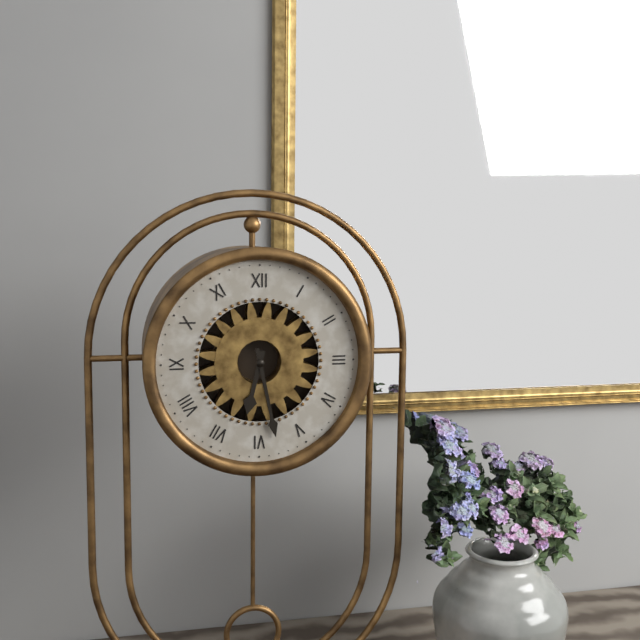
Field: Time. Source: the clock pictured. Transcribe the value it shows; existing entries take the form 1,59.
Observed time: 6,28
